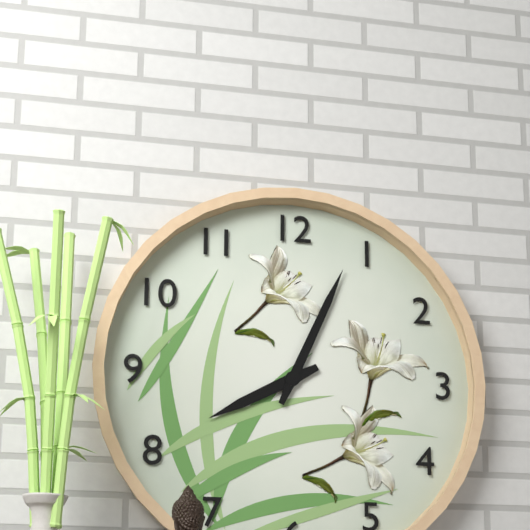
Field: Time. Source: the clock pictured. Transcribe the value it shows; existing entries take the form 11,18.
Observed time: 8,04
